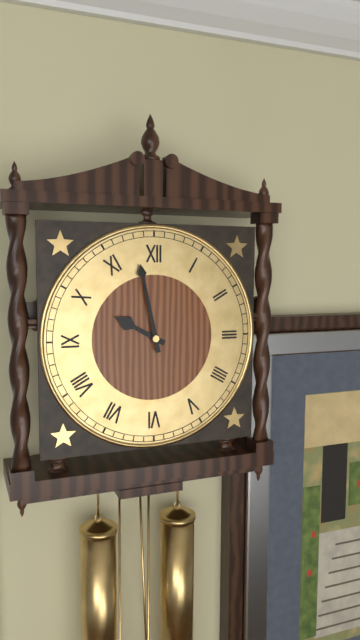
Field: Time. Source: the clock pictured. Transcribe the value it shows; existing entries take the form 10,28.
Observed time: 9,58
